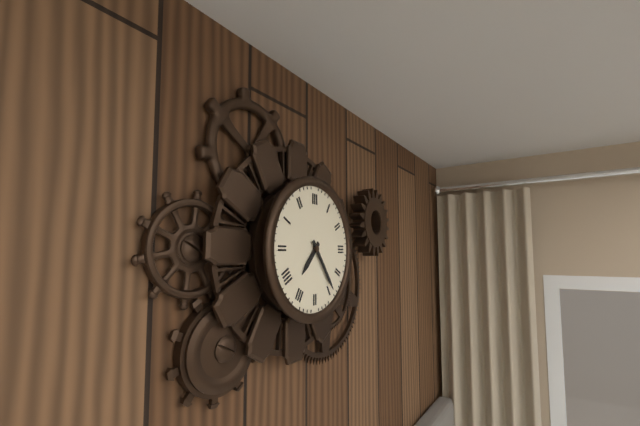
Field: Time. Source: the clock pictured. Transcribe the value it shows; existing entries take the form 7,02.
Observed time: 7,24
